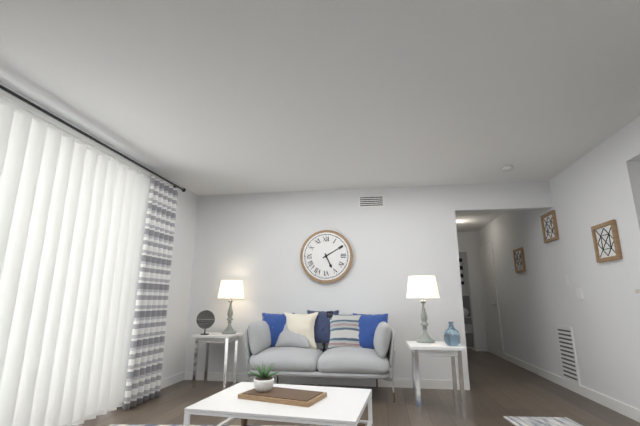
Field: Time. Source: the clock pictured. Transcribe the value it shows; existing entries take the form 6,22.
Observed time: 5,10
